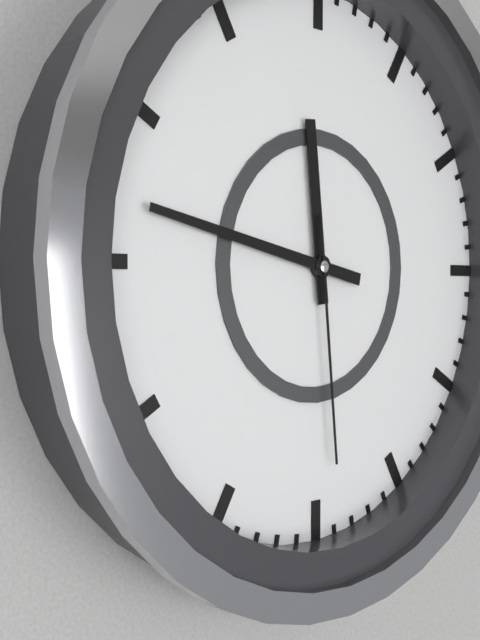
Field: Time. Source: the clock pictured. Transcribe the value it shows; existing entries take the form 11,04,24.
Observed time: 11,47,29
